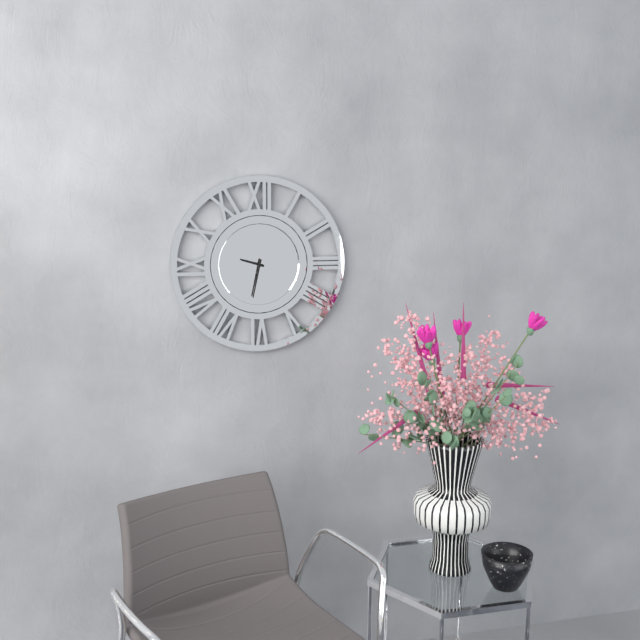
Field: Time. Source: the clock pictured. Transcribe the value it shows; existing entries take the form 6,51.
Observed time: 9,32
